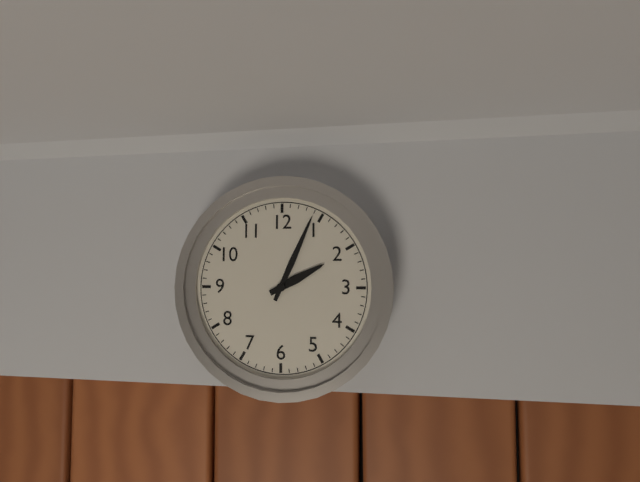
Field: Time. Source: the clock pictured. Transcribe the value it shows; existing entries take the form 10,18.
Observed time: 2,04
